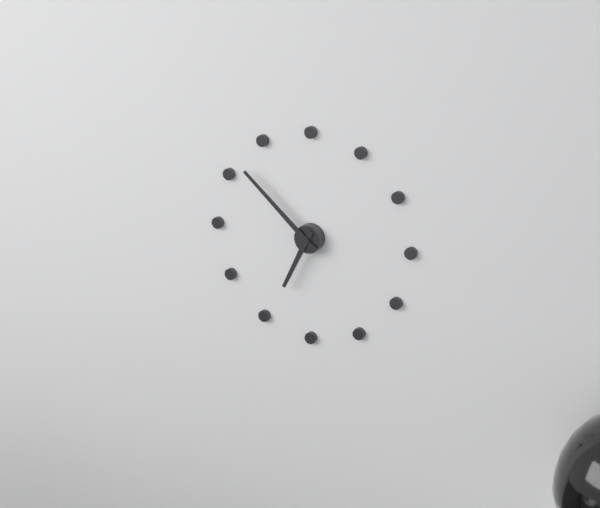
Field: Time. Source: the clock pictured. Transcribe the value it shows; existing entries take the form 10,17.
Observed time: 6,52
